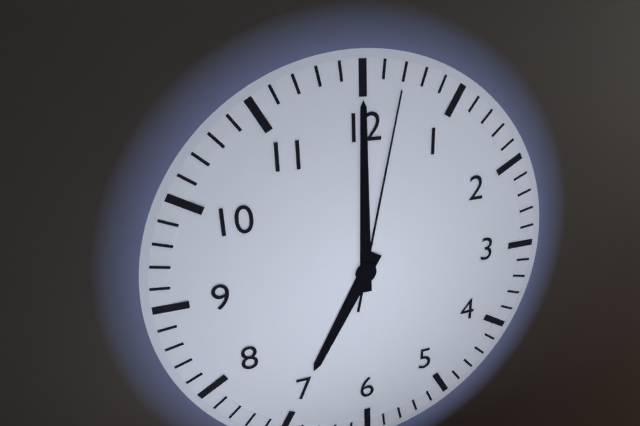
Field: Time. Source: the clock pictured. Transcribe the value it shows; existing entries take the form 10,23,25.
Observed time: 7,00,02
